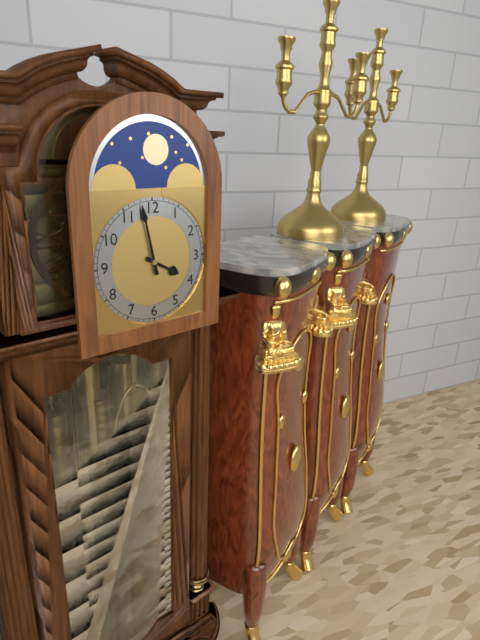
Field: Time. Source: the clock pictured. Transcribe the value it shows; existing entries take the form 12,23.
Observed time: 3,58
